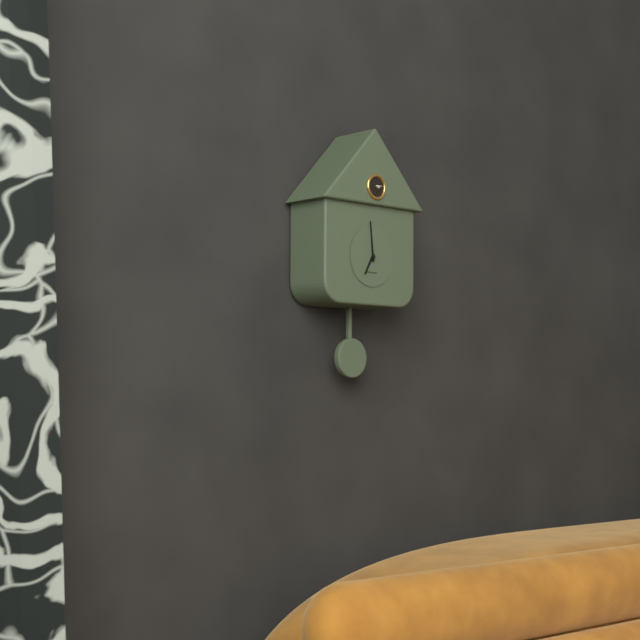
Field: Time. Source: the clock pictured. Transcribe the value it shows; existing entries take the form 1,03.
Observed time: 6,59
